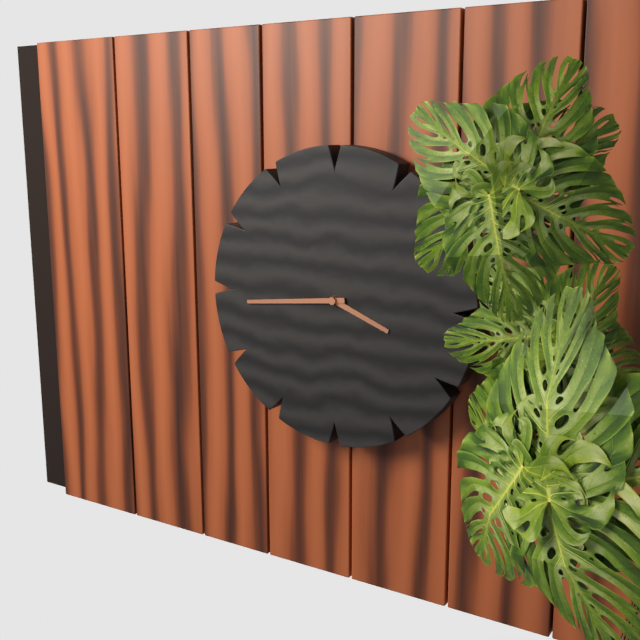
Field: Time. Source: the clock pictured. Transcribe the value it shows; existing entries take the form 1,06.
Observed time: 3,44
